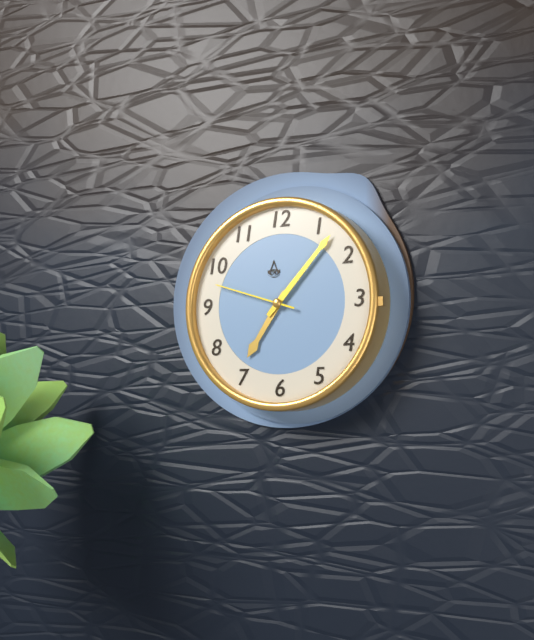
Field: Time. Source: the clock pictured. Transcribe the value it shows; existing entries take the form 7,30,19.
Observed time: 7,07,48
